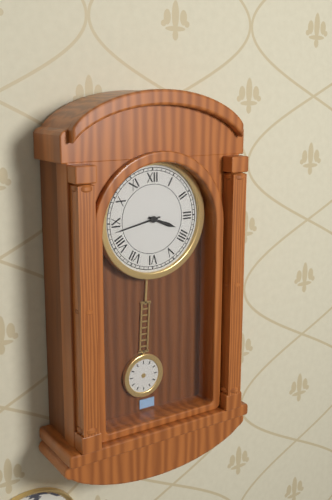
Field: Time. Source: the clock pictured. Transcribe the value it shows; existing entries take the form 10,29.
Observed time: 3,43
